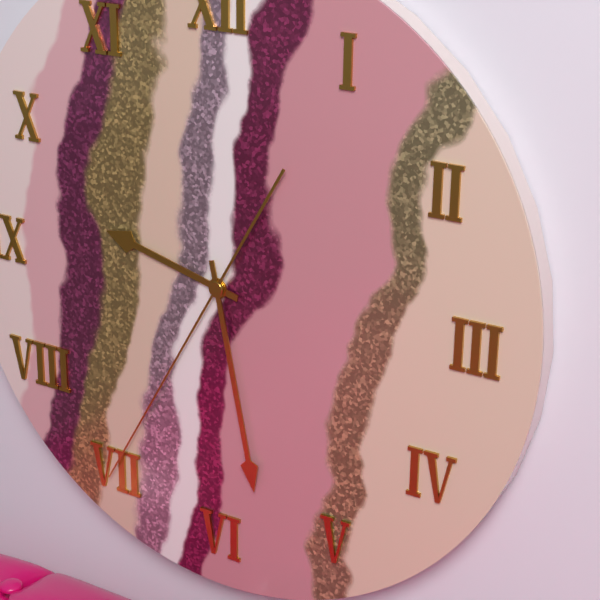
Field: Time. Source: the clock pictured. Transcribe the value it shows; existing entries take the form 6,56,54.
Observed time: 9,28,35
